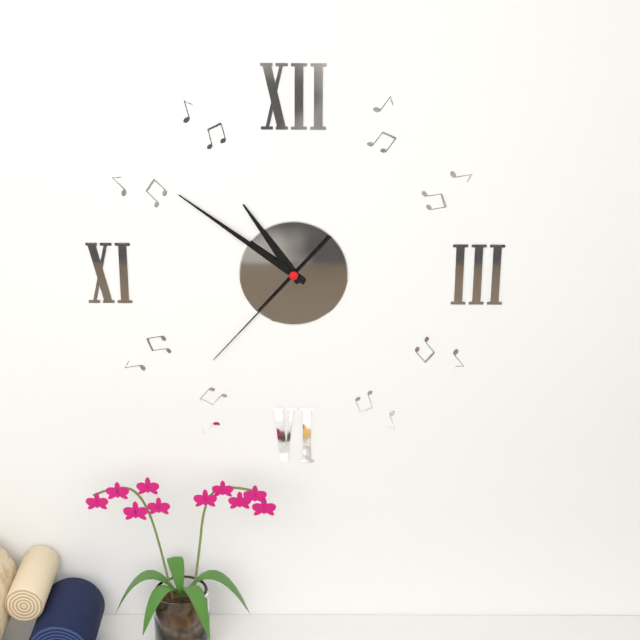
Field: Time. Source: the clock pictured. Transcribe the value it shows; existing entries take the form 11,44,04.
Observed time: 10,51,37
